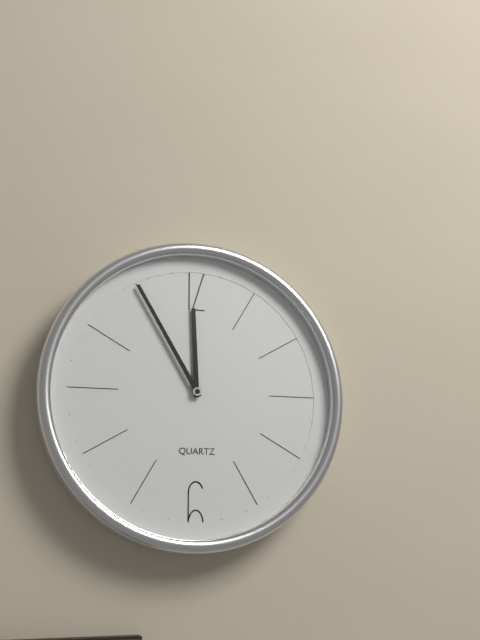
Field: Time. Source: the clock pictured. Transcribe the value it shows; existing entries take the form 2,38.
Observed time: 11,55
